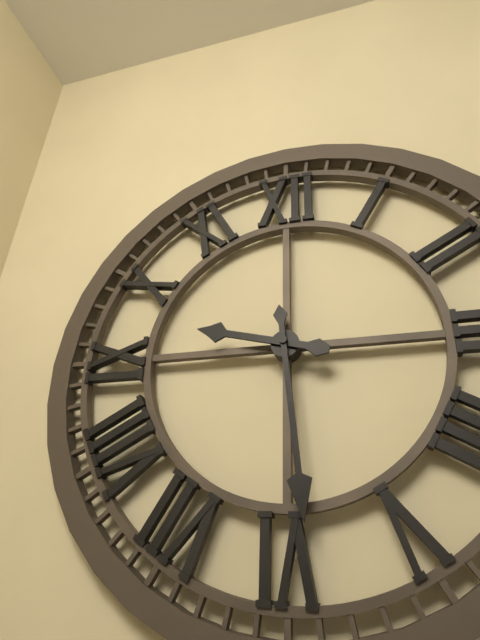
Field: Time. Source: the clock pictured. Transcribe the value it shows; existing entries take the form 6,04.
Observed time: 9,29
